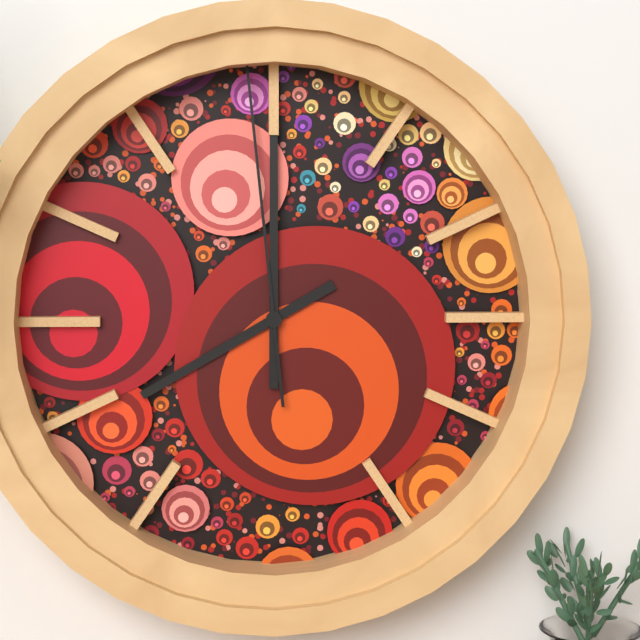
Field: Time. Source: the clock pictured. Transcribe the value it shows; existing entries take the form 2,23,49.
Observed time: 8,00,59
